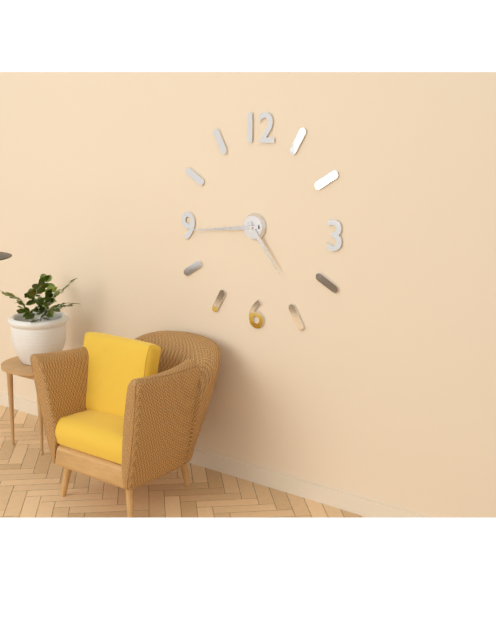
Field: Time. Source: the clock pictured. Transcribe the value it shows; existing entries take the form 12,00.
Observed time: 4,44
